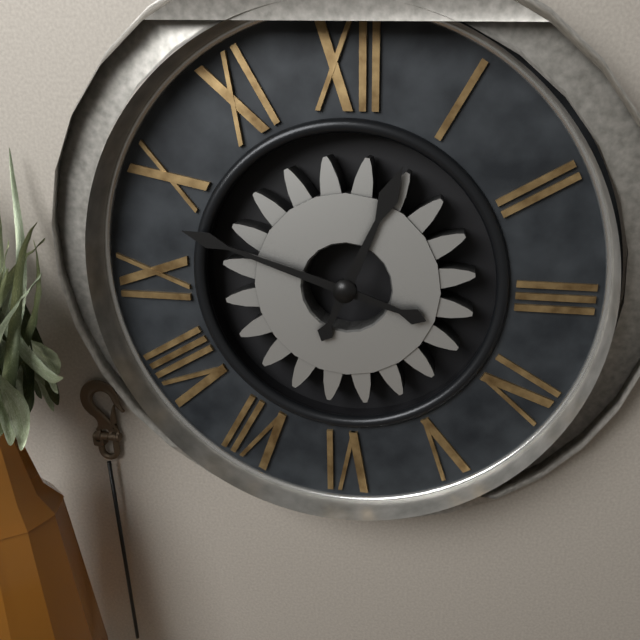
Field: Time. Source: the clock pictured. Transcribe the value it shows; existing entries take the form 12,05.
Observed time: 12,48
